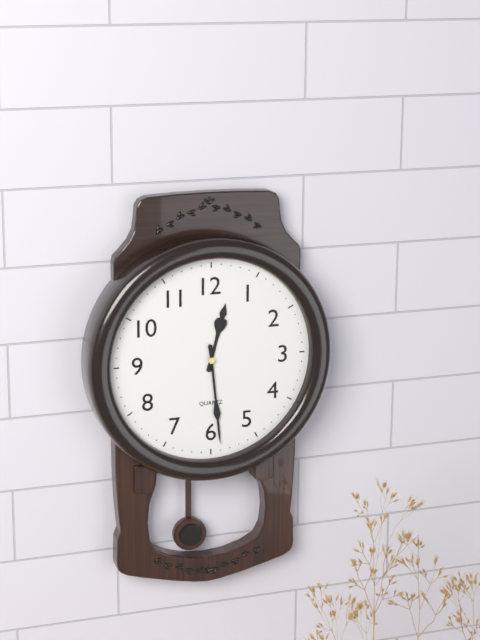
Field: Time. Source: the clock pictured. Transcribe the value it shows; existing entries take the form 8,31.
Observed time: 12,29
